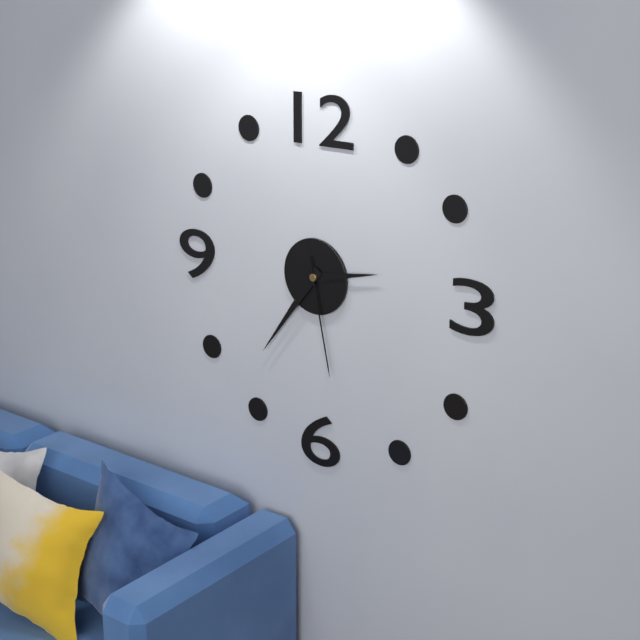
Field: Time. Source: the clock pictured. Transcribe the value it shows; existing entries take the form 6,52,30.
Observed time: 2,36,28
